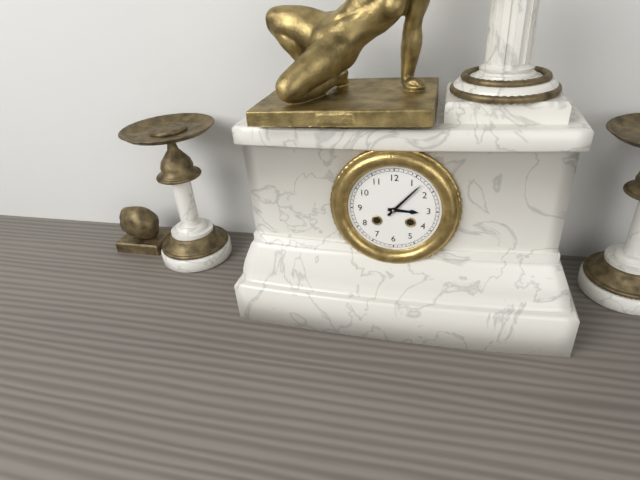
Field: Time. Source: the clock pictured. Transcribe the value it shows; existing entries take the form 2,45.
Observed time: 3,07
